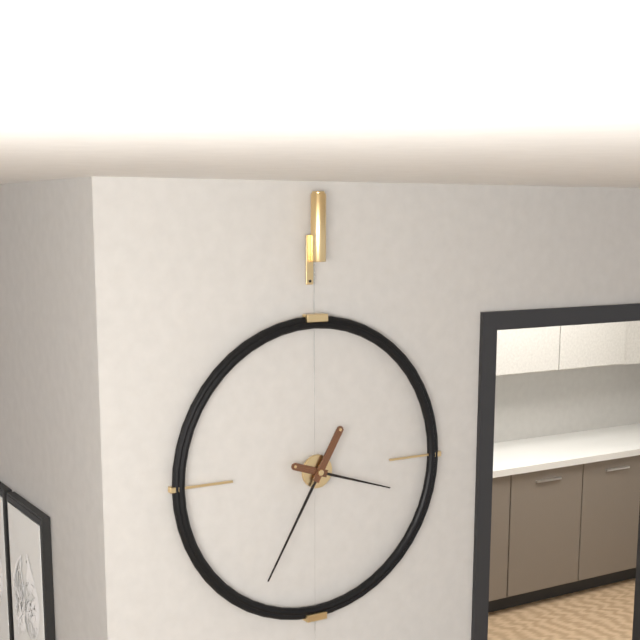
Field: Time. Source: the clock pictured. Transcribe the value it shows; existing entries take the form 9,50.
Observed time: 3,35
